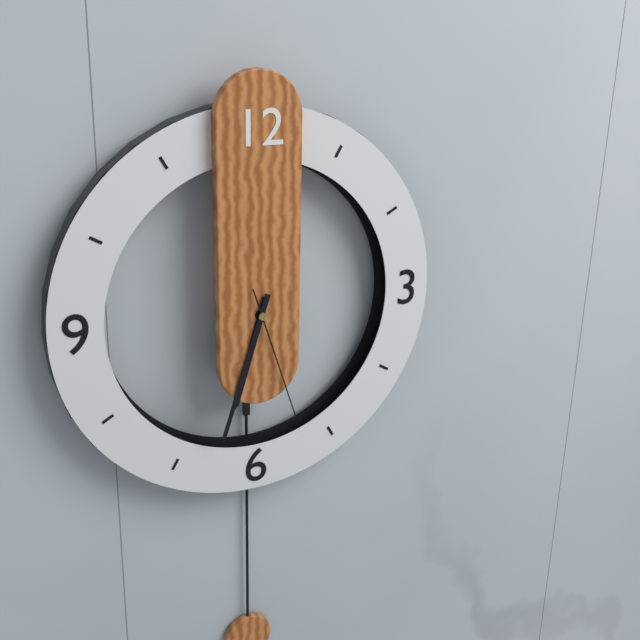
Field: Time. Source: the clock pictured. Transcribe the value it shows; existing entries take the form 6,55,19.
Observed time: 6,33,27
